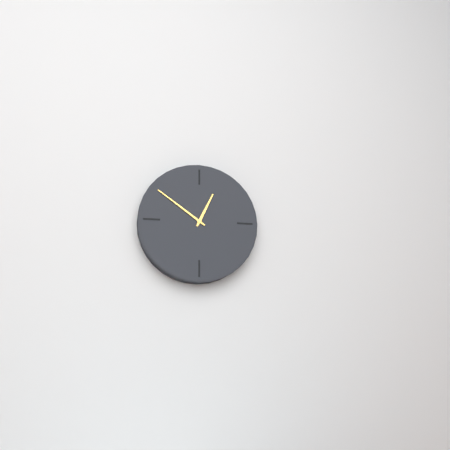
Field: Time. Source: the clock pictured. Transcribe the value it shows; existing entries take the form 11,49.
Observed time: 12,51
